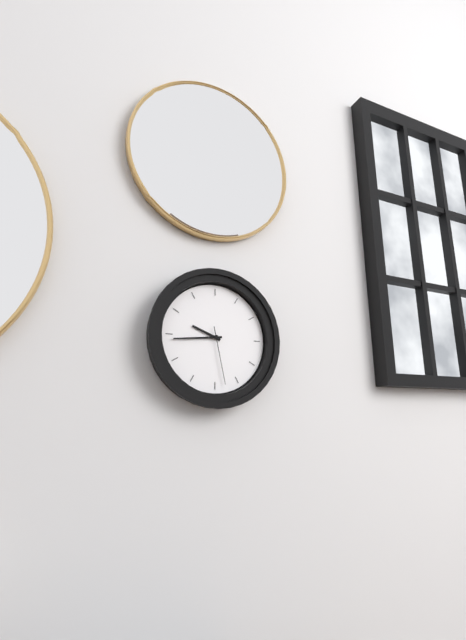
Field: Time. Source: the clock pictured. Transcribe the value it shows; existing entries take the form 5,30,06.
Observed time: 9,44,28
